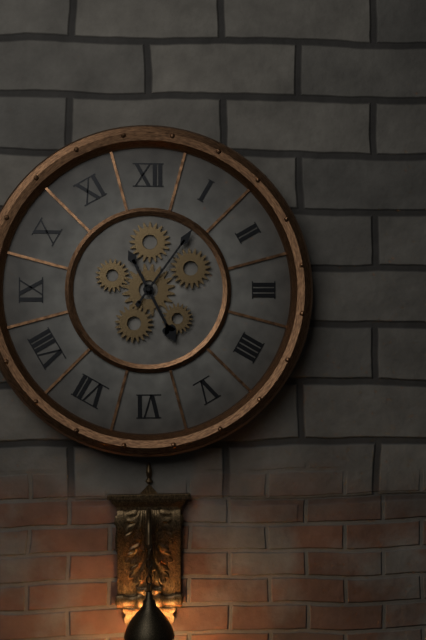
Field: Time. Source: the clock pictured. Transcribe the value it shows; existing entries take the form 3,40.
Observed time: 5,06
